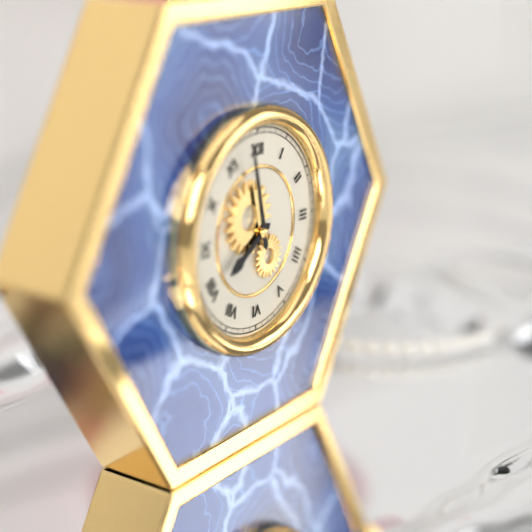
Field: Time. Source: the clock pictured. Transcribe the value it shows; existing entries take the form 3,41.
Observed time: 7,58
